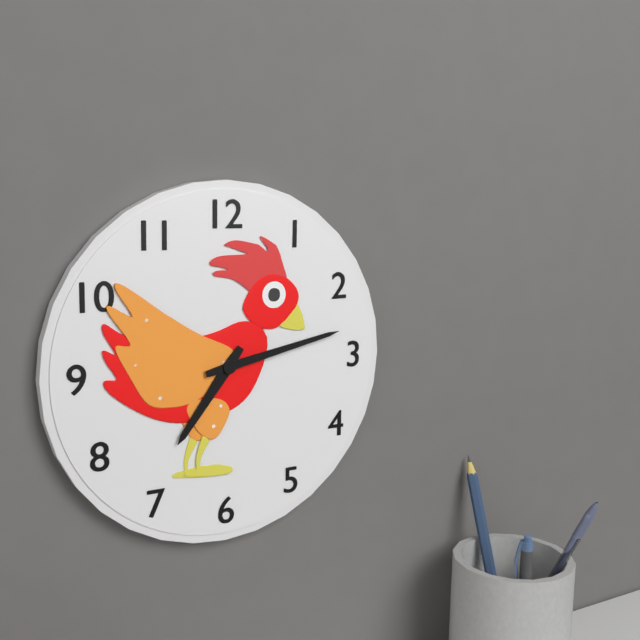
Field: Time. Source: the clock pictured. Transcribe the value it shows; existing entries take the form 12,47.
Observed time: 7,13
